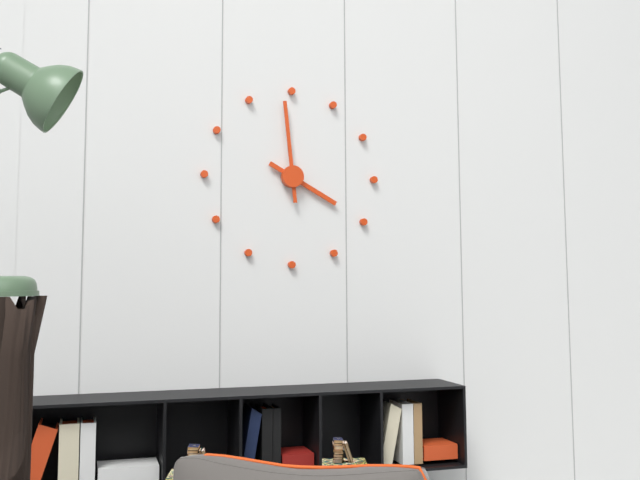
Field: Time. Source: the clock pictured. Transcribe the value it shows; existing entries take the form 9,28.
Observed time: 3,59
